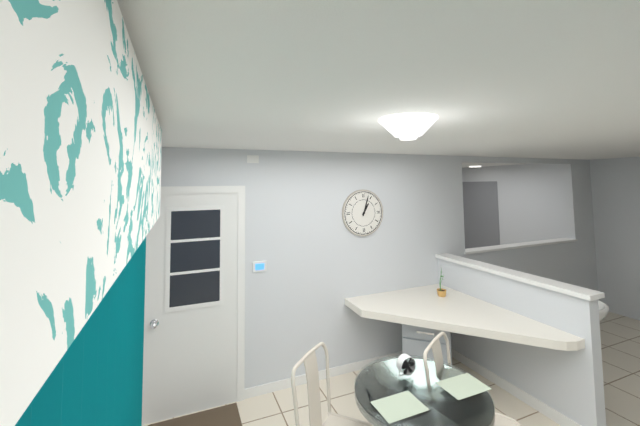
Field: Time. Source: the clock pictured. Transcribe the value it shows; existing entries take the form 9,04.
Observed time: 1,03
